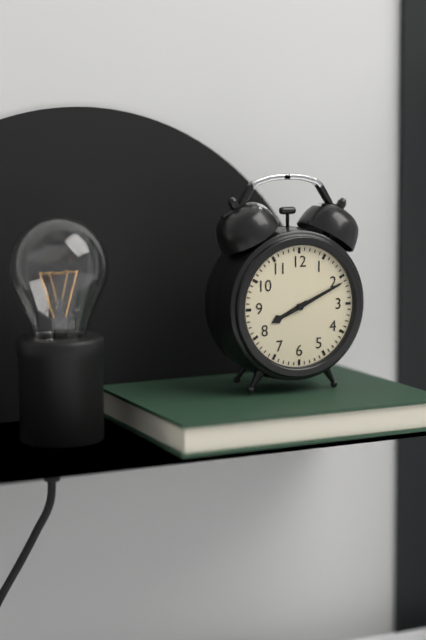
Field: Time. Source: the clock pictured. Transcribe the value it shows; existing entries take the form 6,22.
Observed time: 8,11
